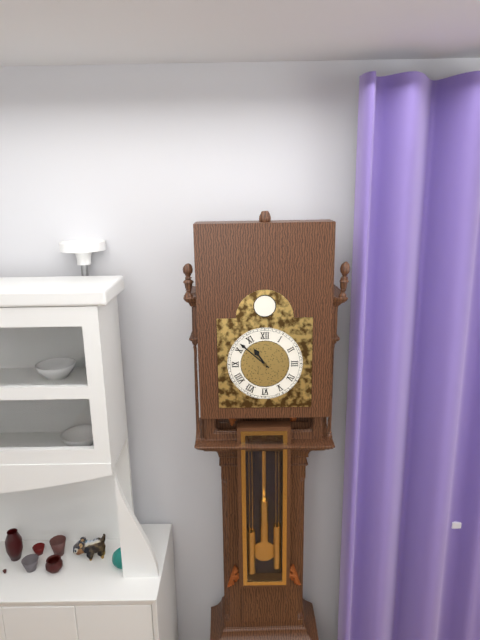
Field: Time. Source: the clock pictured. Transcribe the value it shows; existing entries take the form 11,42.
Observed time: 10,52
